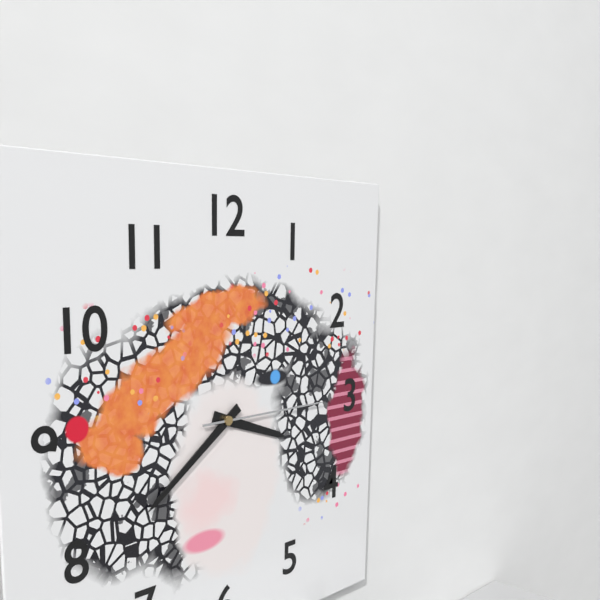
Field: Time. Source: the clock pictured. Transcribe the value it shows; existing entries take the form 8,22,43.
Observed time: 3,39,15
